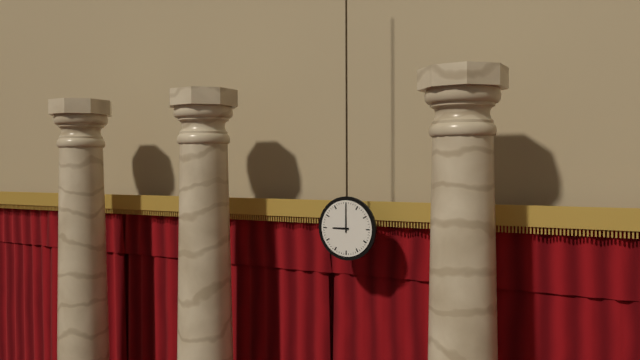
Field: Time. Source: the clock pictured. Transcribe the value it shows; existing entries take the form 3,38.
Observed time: 9,00
